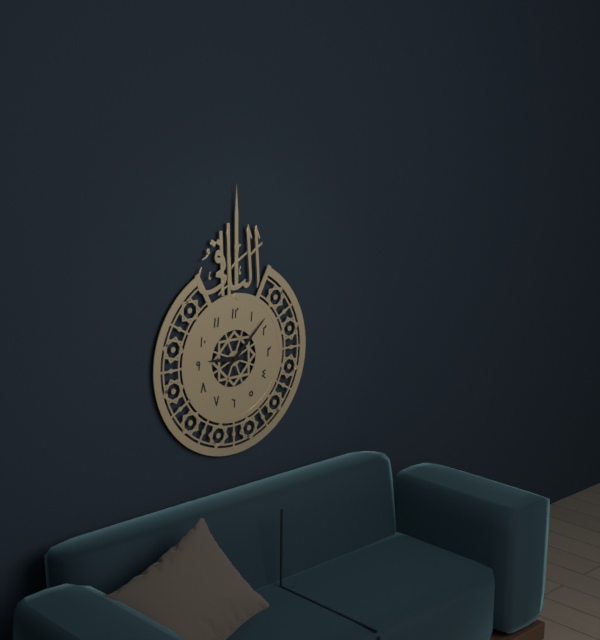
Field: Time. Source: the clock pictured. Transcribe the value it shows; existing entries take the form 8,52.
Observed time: 9,08
